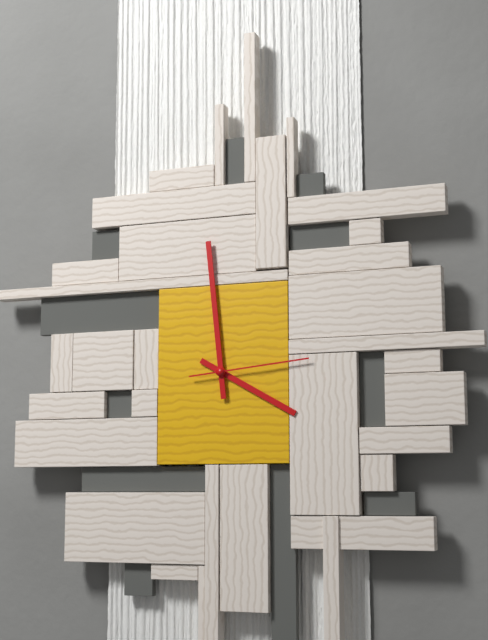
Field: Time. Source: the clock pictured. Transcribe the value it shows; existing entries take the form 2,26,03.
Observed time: 3,59,14
